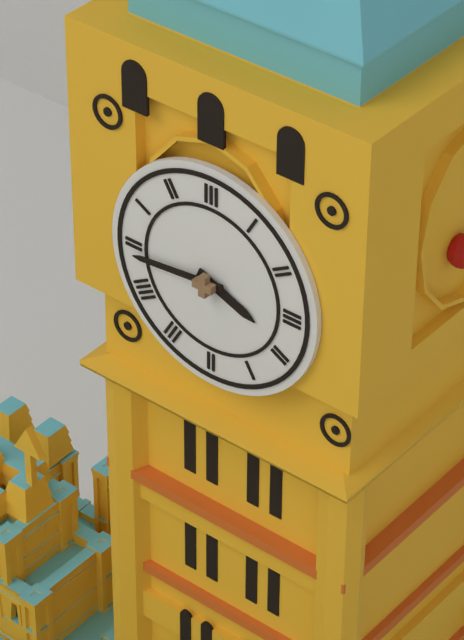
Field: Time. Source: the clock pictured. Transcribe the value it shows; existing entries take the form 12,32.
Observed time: 3,44
